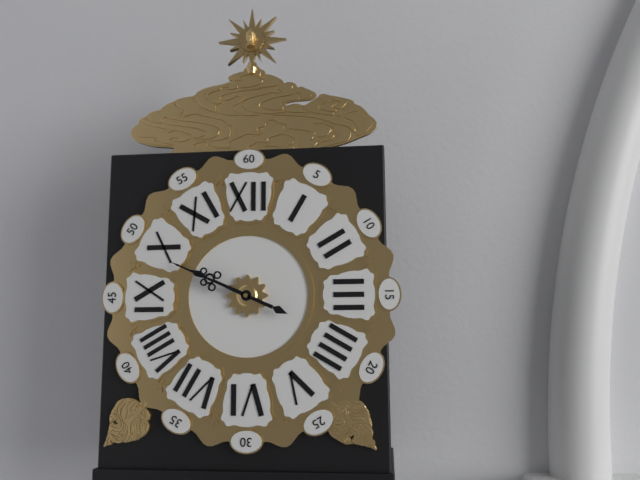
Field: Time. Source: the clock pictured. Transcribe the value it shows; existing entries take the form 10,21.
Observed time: 9,49
